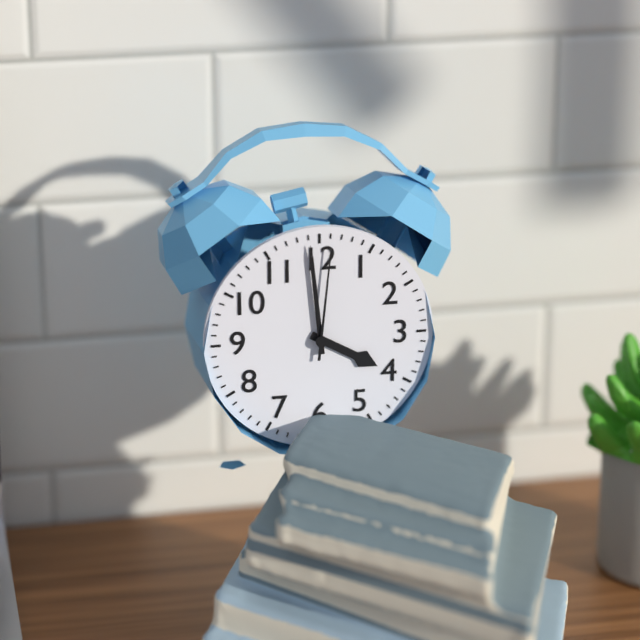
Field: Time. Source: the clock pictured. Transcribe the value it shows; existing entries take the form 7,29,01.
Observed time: 3,59,01
